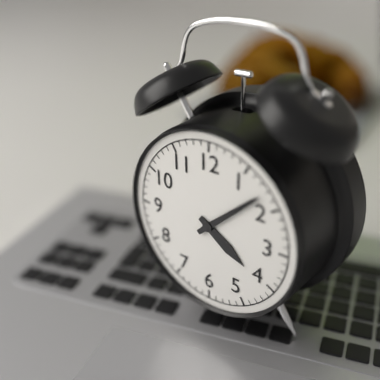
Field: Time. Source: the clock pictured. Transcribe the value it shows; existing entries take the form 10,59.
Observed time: 4,08
